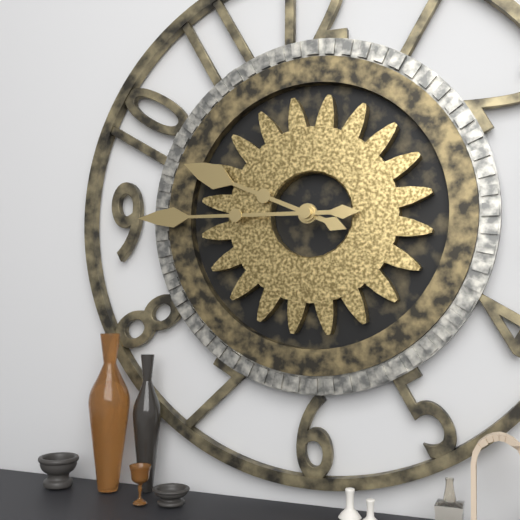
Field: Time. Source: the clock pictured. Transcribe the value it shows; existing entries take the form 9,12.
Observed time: 9,45
